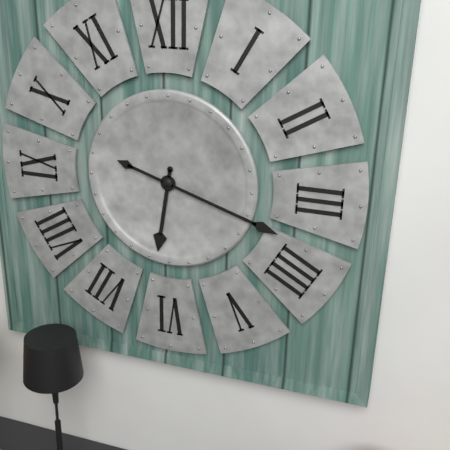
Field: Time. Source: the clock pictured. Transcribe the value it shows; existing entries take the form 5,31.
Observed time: 6,18
